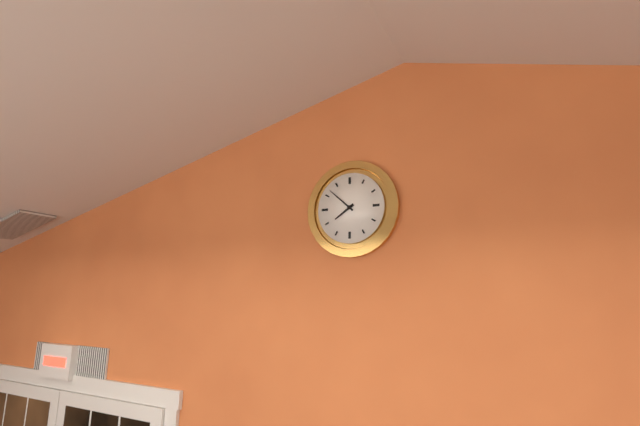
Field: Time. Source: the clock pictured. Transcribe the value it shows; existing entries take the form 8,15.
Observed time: 7,52
